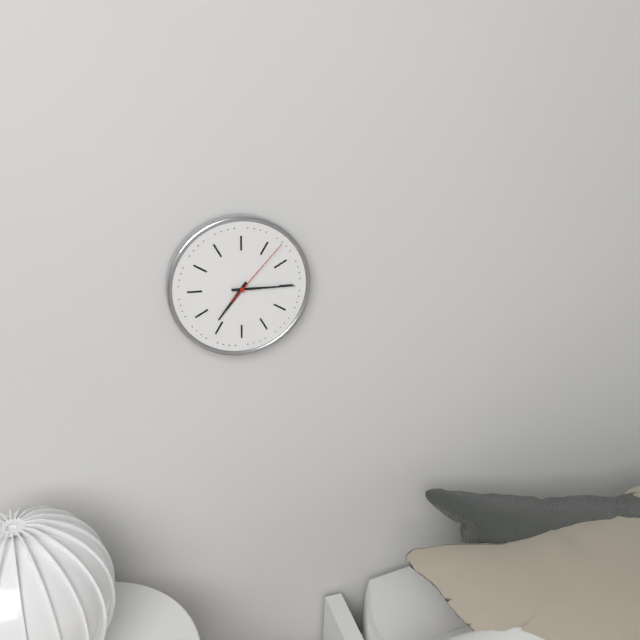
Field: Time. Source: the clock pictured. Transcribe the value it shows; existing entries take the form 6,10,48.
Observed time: 7,15,07
